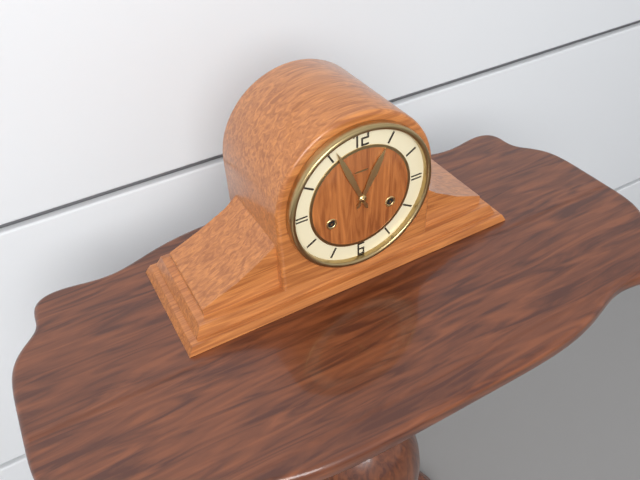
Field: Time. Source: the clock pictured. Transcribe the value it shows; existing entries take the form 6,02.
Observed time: 12,56
